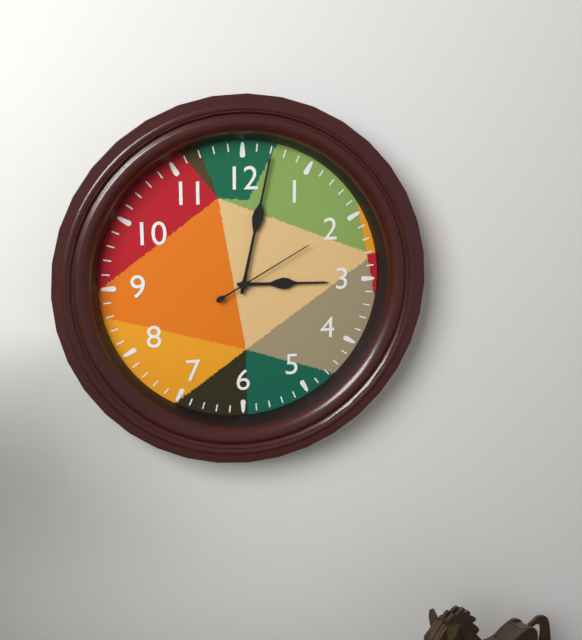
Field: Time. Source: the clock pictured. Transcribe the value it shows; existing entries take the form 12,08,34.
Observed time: 3,02,10
